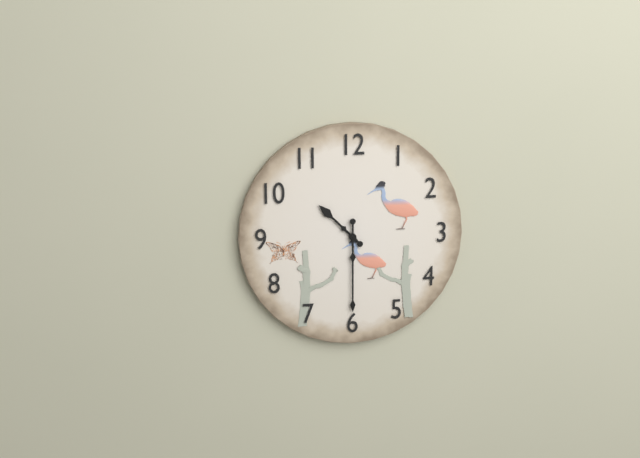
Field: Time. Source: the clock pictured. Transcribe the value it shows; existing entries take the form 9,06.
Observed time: 10,30
